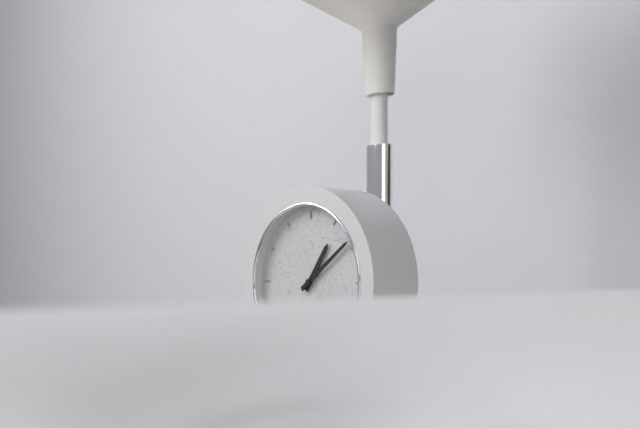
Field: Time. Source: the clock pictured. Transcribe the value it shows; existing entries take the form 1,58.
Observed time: 1,09
